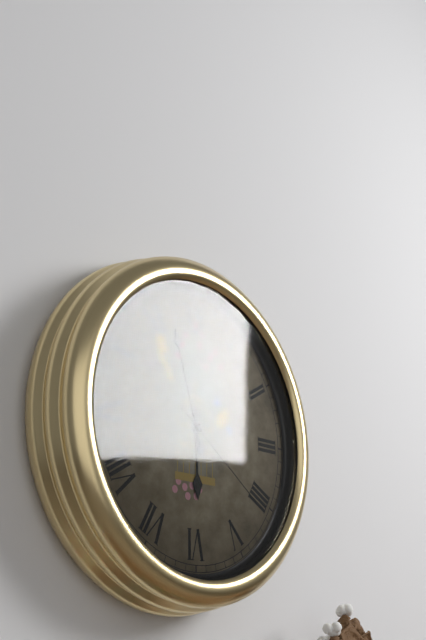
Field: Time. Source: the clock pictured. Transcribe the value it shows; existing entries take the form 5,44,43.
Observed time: 5,57,21
